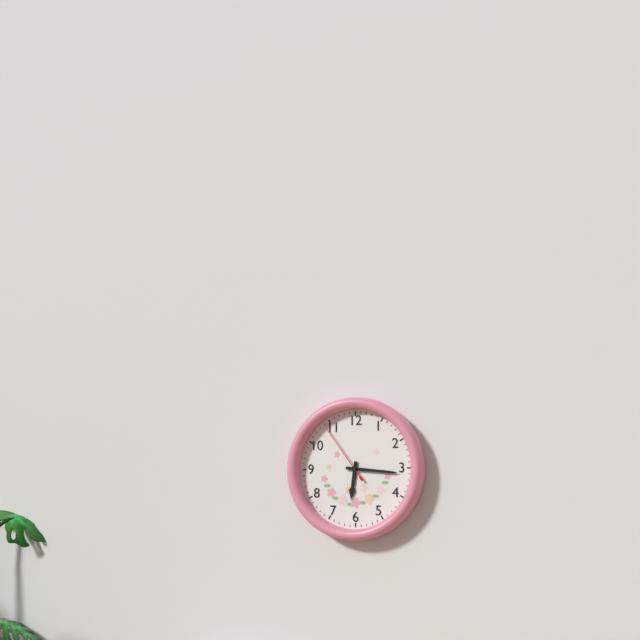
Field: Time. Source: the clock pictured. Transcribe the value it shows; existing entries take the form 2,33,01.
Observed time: 6,16,54
